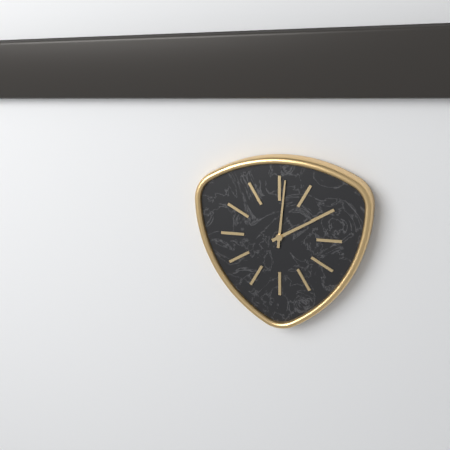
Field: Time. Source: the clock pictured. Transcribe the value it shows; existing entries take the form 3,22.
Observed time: 2,01
